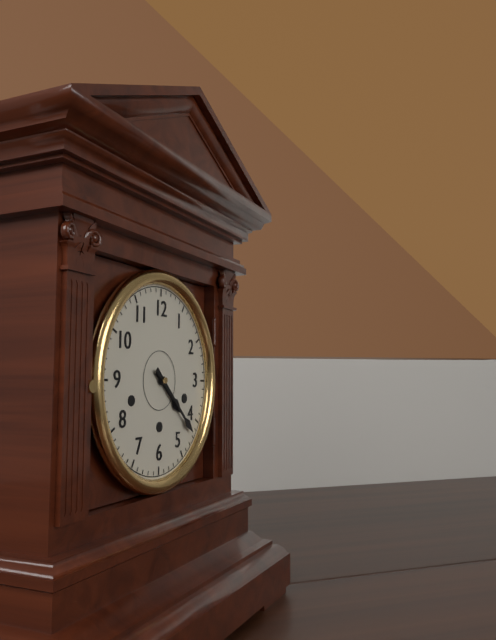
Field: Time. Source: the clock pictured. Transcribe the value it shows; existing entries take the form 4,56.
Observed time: 4,22
